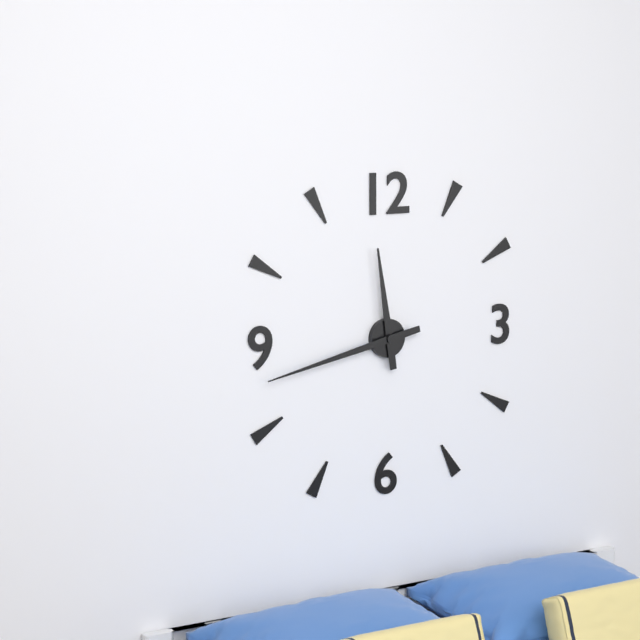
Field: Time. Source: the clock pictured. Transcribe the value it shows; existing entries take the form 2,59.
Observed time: 11,43
